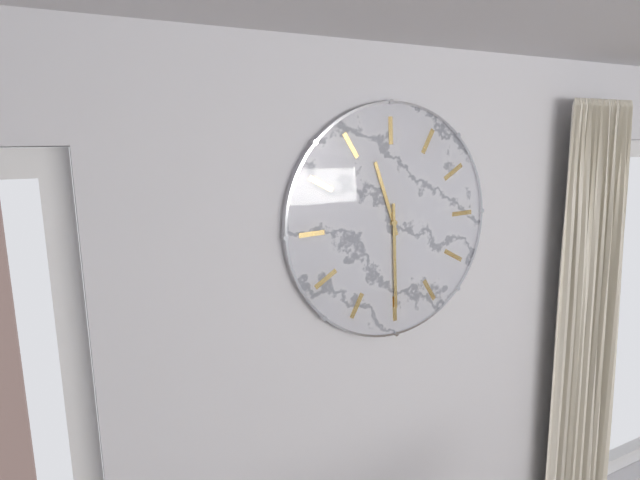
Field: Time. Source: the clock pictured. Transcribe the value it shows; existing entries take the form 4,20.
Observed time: 10,25
